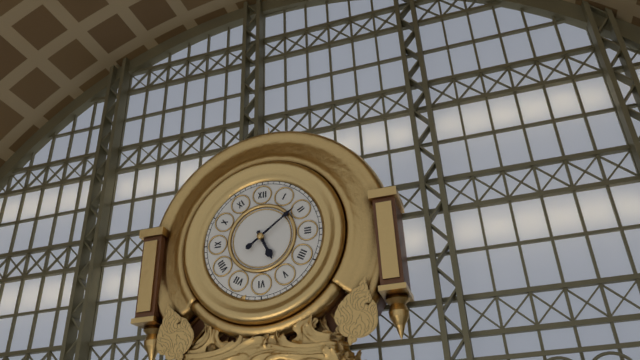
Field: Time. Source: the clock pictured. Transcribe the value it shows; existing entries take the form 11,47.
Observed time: 5,09
